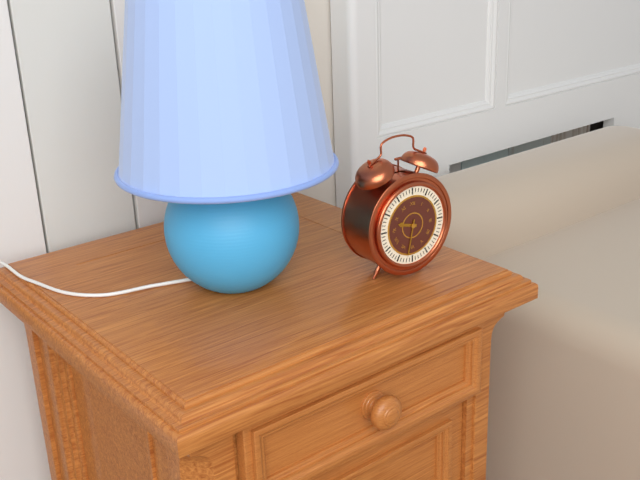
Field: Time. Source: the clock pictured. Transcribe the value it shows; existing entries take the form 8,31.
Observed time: 9,32
